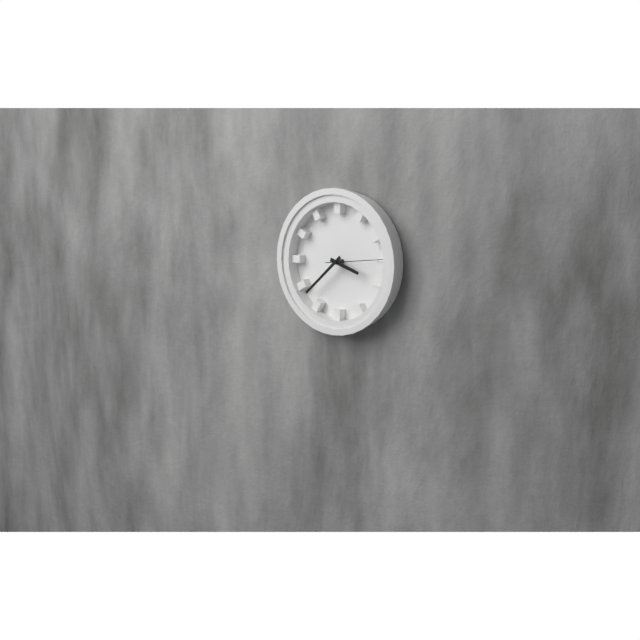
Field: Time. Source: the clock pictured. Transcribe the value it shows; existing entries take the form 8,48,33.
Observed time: 3,38,14
